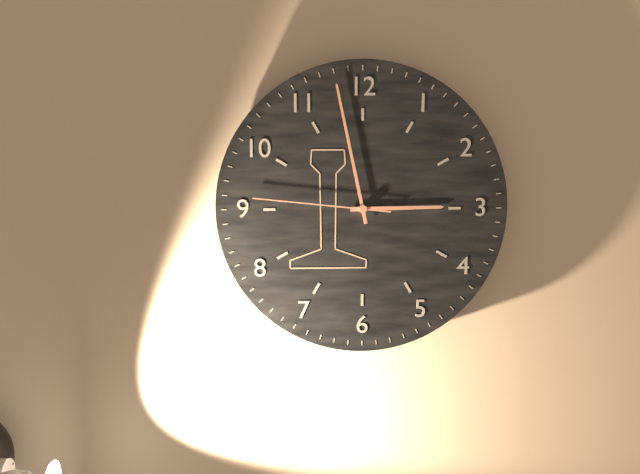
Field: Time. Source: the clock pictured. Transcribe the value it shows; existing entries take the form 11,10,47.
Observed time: 2,58,46
